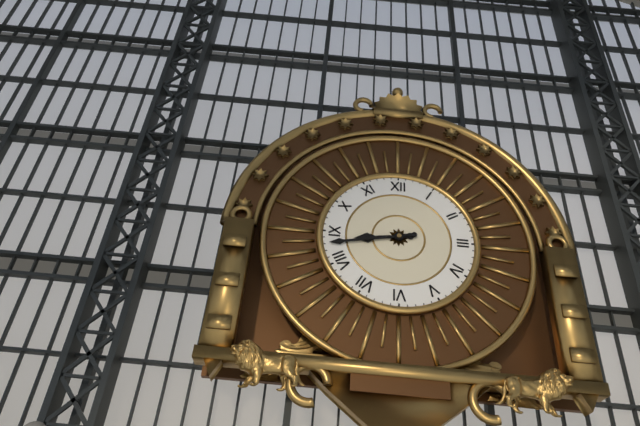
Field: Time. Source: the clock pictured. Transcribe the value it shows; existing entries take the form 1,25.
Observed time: 8,43
